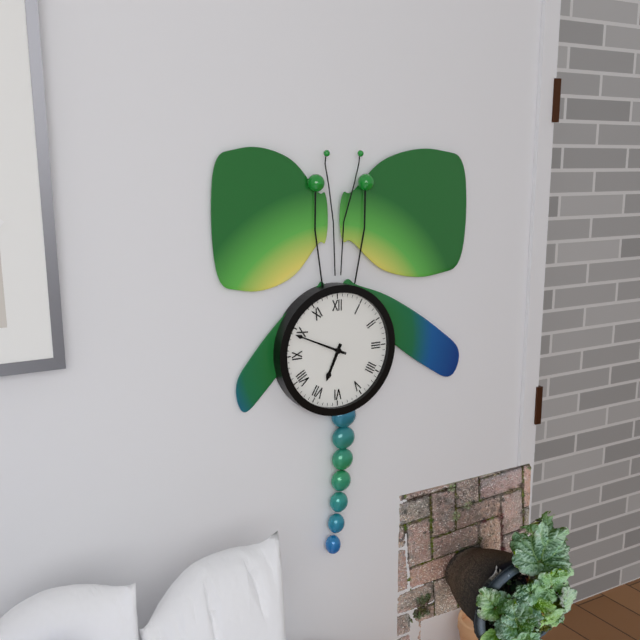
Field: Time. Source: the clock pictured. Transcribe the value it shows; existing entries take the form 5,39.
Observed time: 6,49
